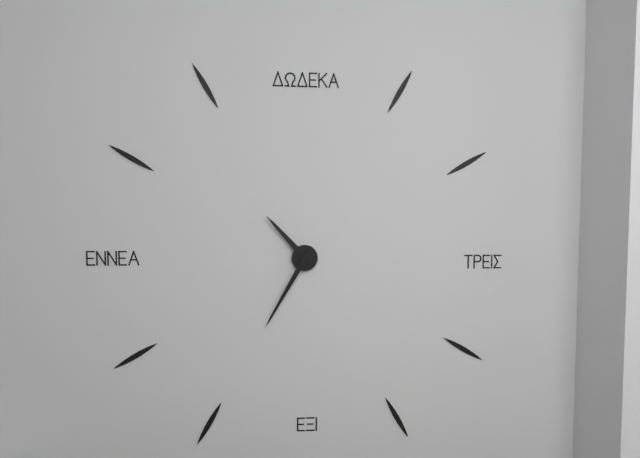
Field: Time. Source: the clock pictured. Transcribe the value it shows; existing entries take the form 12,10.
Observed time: 10,35
